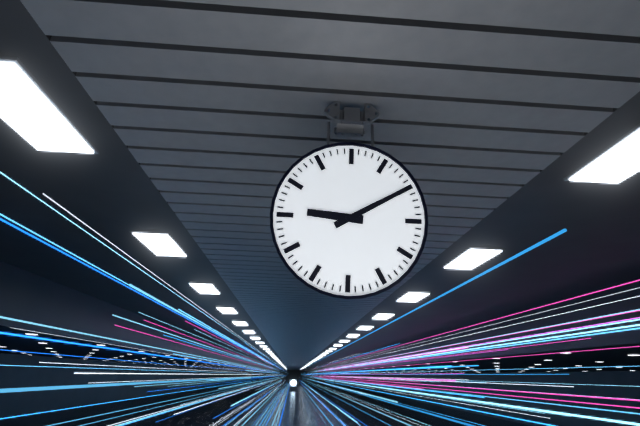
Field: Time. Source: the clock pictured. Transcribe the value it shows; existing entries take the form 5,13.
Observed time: 9,10
